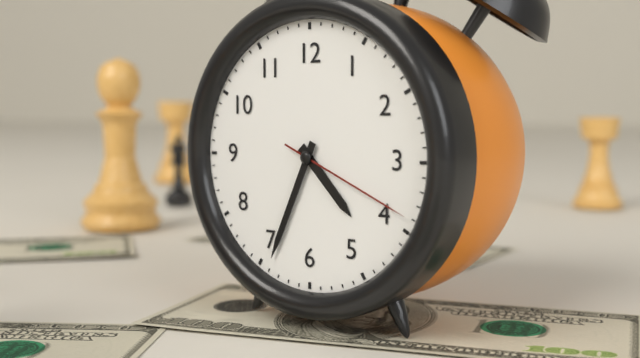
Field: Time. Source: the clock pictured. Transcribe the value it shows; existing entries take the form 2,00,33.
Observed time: 4,34,19
